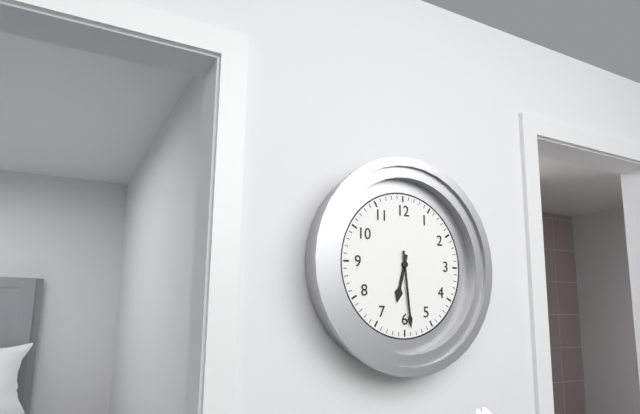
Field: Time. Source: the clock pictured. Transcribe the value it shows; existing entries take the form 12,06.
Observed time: 6,29
